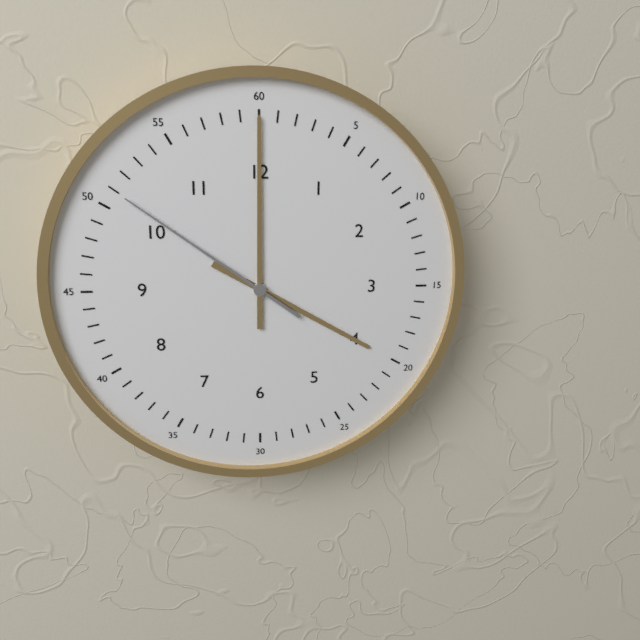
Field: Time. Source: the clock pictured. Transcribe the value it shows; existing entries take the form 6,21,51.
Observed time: 4,00,51
